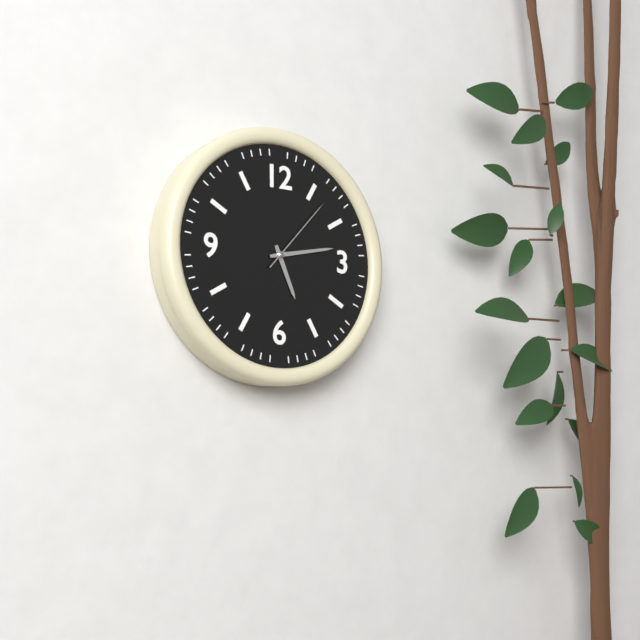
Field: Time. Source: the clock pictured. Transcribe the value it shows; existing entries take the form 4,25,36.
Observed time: 5,13,07
